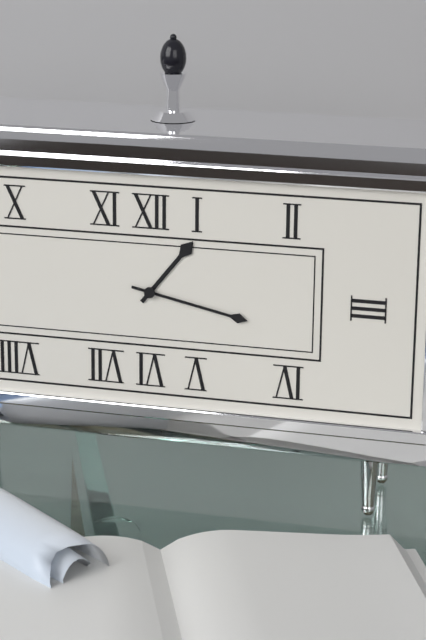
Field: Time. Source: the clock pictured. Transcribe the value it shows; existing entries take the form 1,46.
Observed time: 1,17
